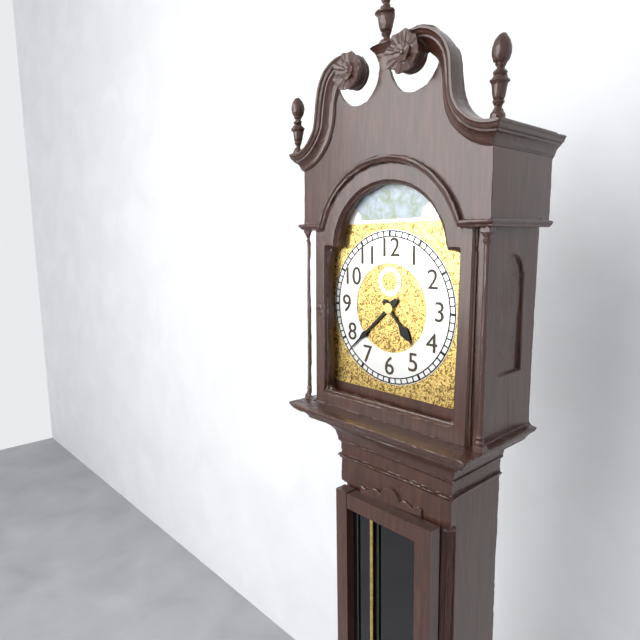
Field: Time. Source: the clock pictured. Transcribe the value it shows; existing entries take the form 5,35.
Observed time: 4,38
